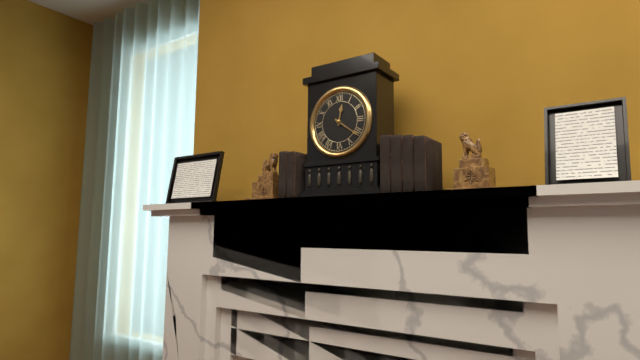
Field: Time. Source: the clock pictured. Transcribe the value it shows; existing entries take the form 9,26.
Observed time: 12,21
